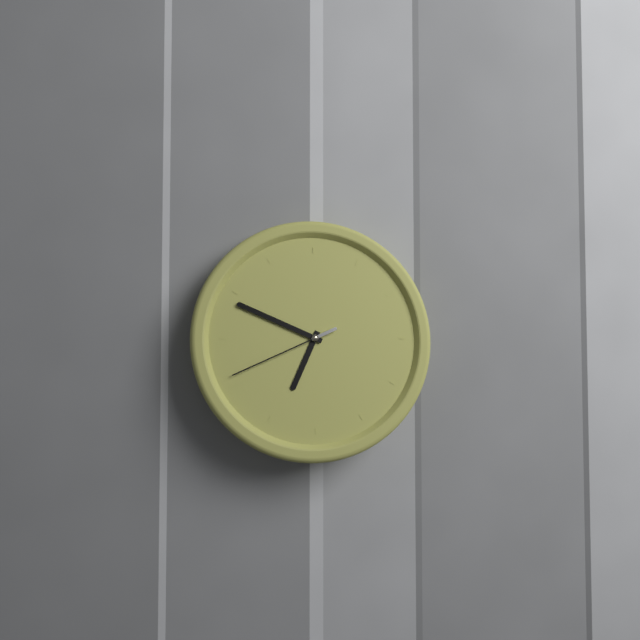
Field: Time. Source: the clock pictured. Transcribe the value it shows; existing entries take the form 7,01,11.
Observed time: 6,49,41
